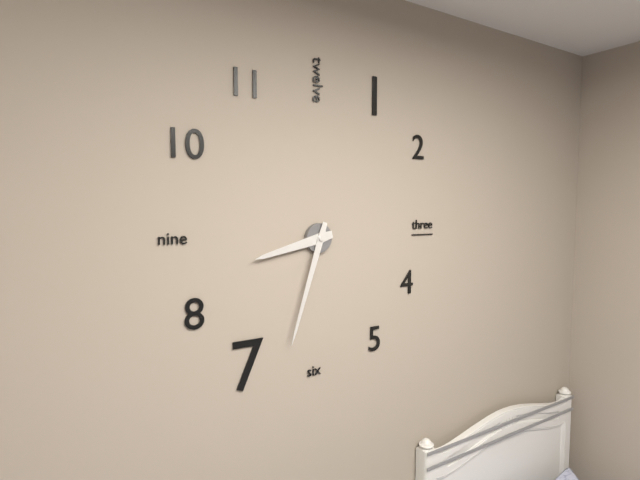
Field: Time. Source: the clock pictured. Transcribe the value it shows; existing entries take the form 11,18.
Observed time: 8,33
